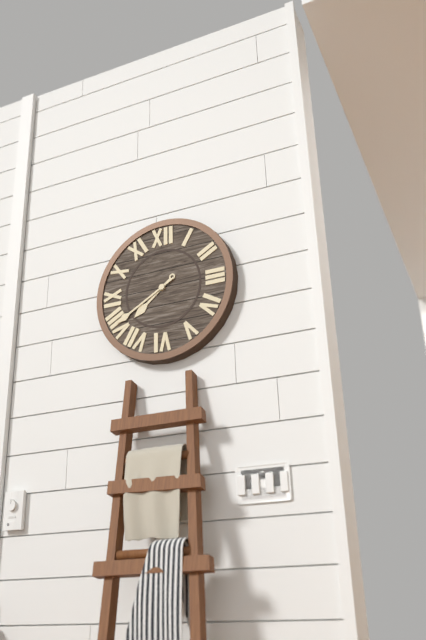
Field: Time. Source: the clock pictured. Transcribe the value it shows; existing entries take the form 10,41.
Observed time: 7,40
